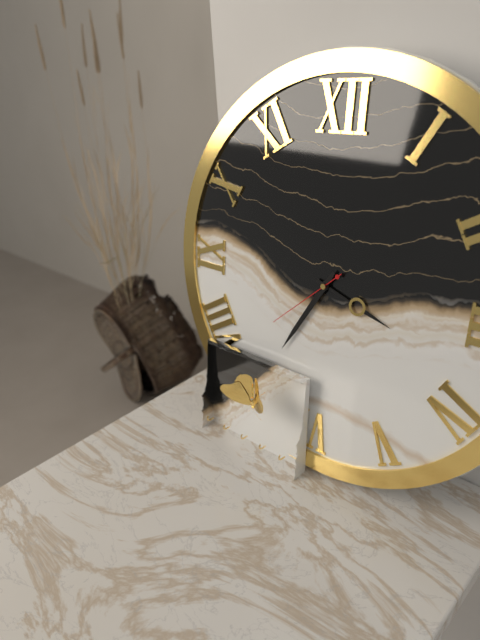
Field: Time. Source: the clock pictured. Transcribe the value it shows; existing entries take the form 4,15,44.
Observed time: 3,35,38
